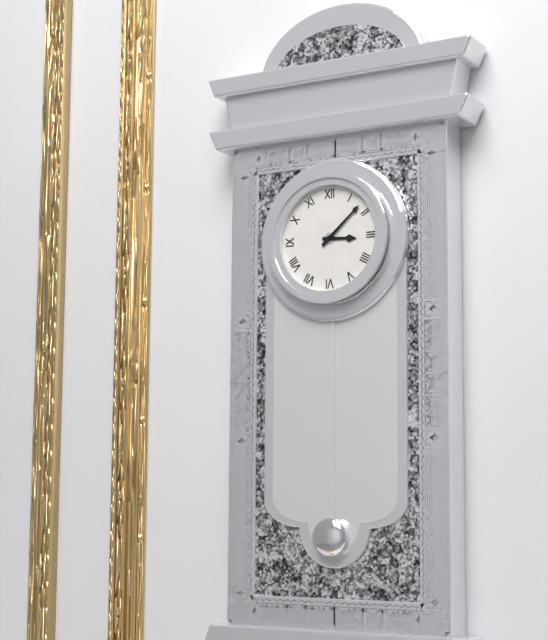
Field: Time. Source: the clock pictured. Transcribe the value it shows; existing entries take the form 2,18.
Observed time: 3,08
